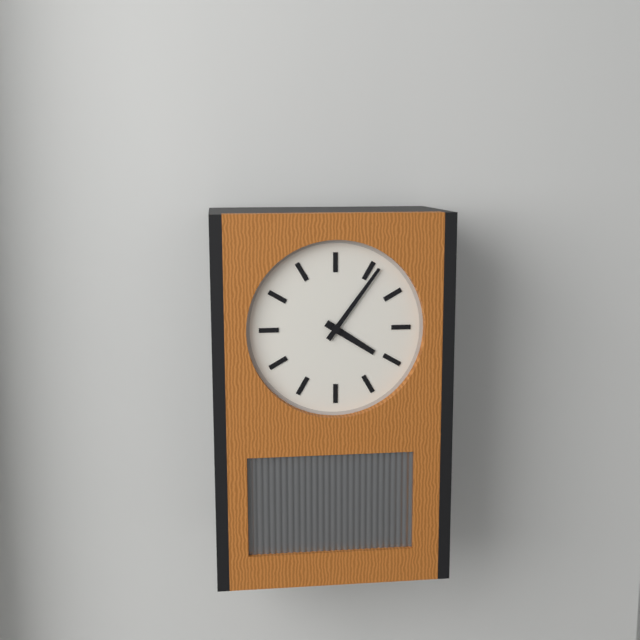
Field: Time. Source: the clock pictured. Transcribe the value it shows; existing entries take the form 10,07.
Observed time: 4,06
